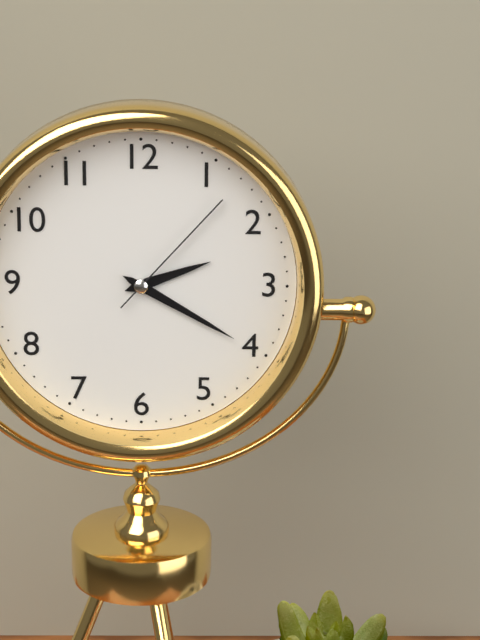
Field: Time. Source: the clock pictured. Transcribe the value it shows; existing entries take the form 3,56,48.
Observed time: 2,20,07
